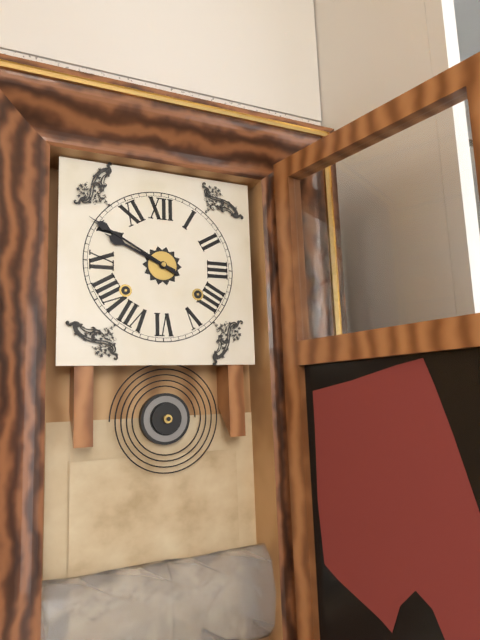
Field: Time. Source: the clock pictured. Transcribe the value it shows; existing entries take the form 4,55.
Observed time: 9,50
